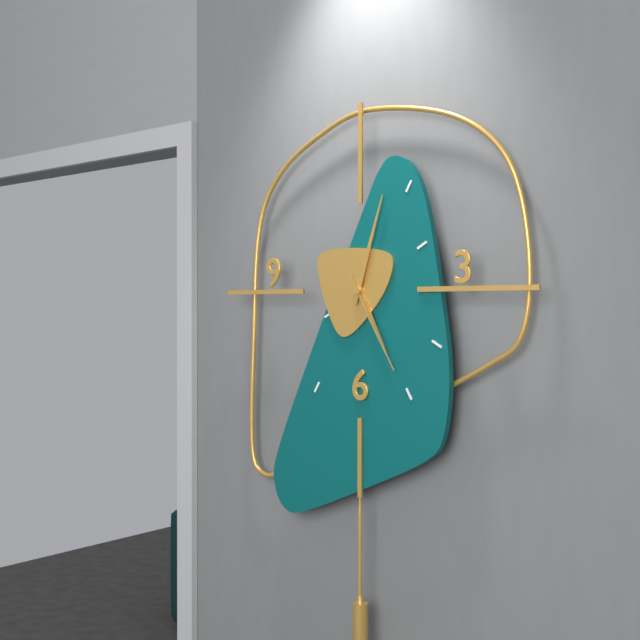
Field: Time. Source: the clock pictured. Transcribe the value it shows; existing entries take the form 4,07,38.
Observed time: 5,03,25
